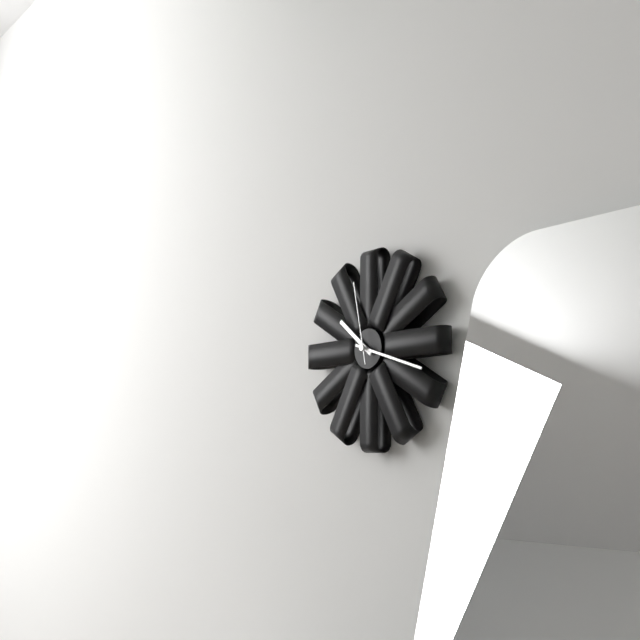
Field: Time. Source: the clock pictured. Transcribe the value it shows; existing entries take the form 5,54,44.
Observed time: 10,18,58
